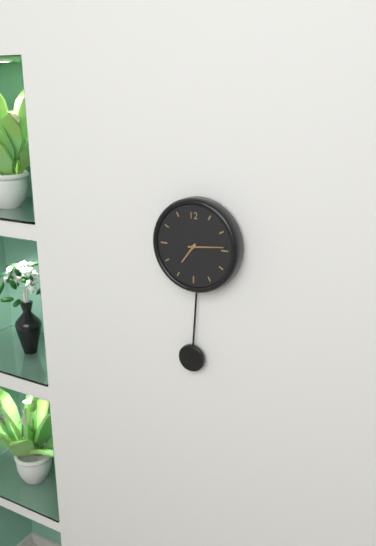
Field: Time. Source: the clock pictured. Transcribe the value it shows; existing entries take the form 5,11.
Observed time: 7,14
